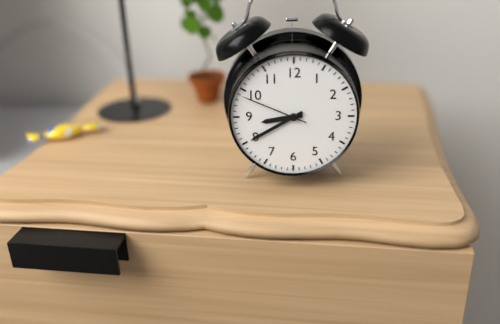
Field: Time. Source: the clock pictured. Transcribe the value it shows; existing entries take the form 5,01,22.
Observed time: 8,40,49
